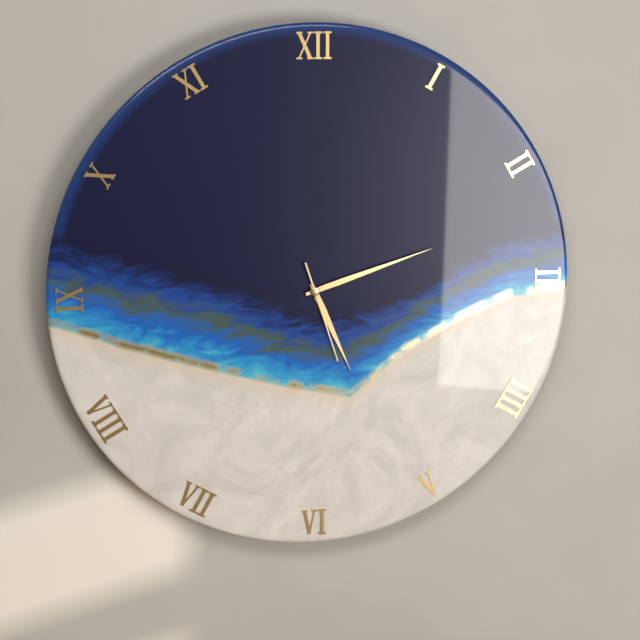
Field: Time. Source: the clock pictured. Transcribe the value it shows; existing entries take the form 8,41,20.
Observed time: 5,12,27
